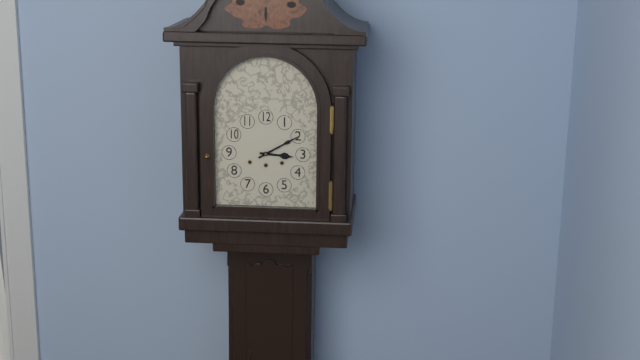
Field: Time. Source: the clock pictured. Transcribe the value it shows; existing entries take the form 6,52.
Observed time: 3,10
